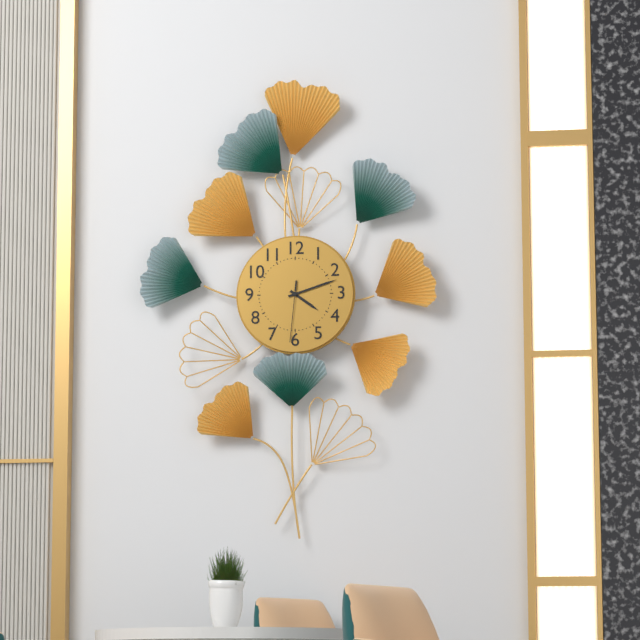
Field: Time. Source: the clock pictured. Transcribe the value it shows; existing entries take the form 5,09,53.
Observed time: 4,12,31
